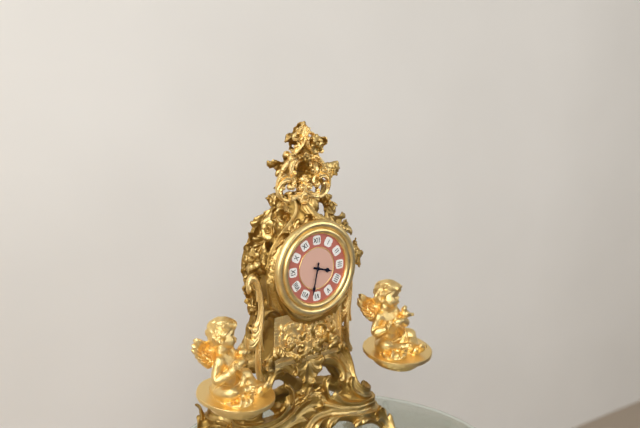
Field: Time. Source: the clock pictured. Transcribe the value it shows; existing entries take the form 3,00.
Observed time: 3,32
